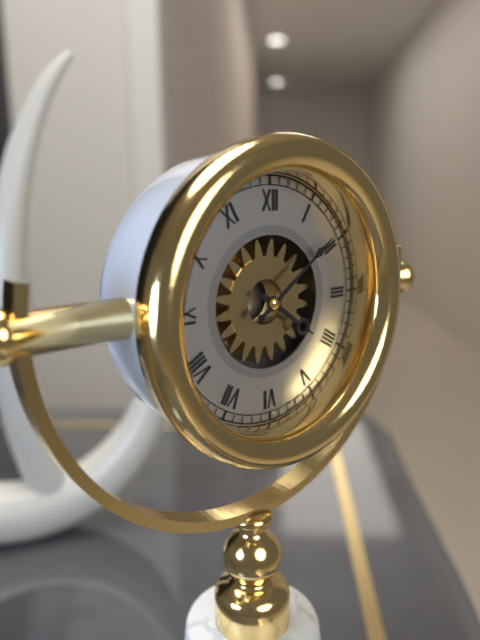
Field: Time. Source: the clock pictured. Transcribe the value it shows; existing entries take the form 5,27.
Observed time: 4,09
